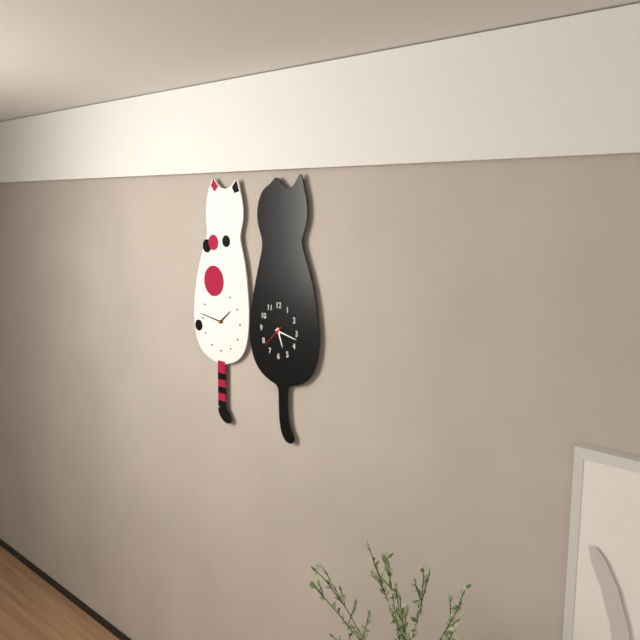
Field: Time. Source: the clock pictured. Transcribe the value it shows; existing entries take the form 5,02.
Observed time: 5,17
